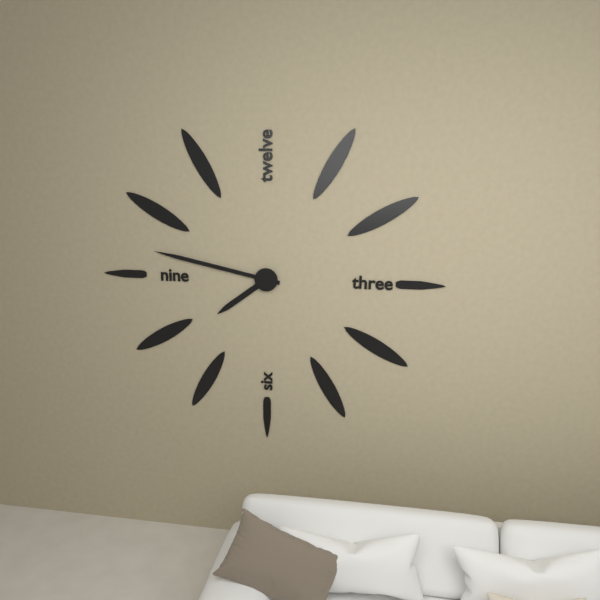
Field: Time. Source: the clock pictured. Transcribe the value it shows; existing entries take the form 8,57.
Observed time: 7,47
